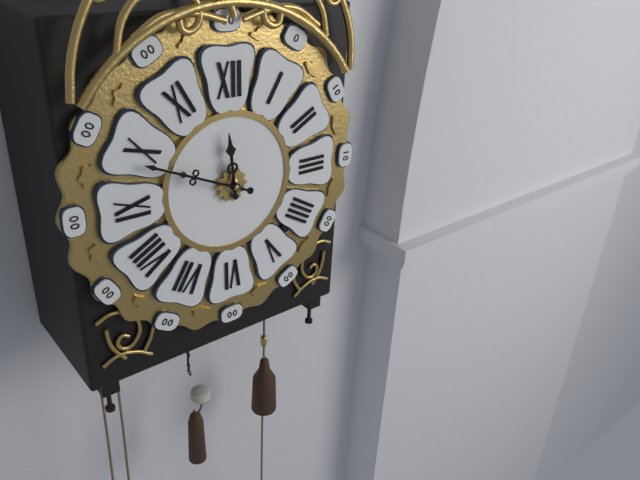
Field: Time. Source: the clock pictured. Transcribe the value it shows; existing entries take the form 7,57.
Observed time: 11,49
